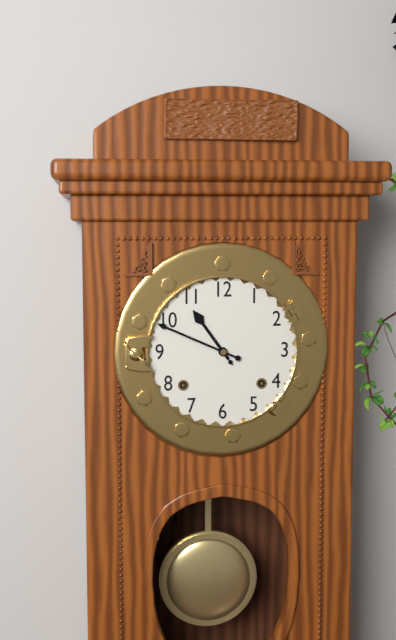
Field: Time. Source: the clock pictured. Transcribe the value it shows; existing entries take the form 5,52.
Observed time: 10,49
